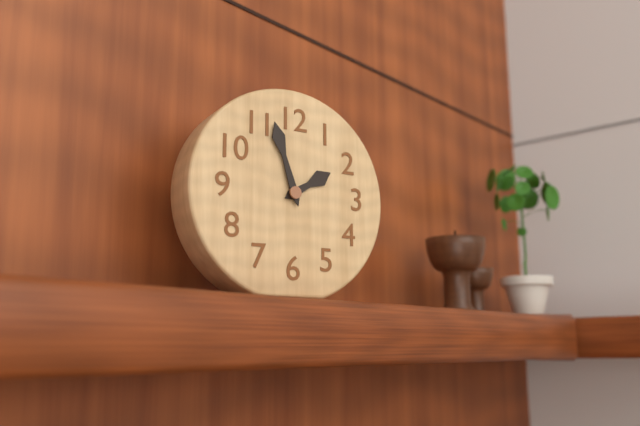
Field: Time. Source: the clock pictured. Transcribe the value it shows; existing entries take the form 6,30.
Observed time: 1,57
